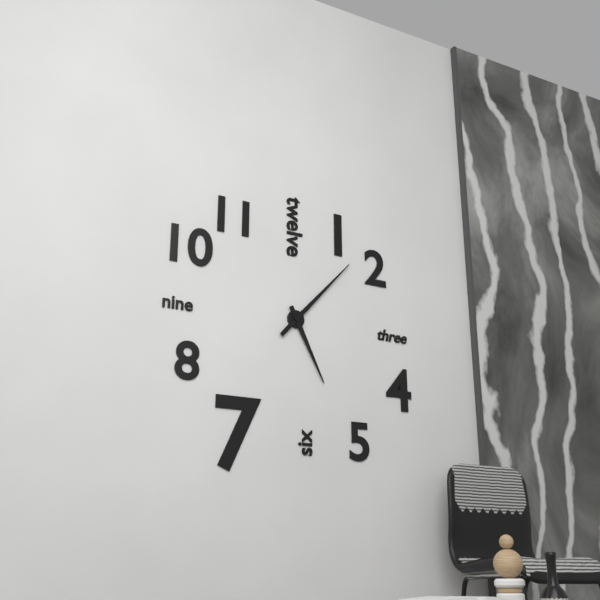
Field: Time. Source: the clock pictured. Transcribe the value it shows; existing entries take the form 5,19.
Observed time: 5,07
